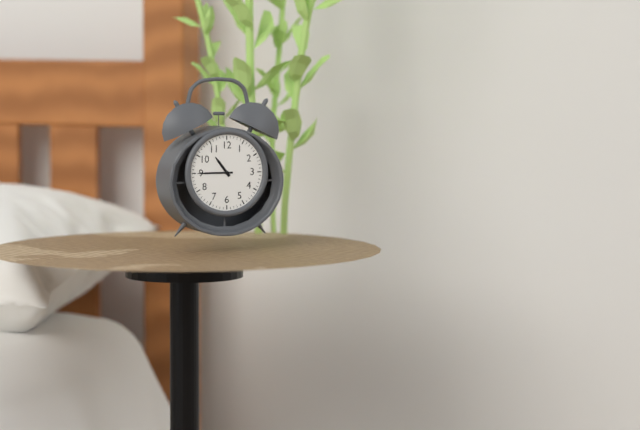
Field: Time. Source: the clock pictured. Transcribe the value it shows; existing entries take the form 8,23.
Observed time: 10,45
